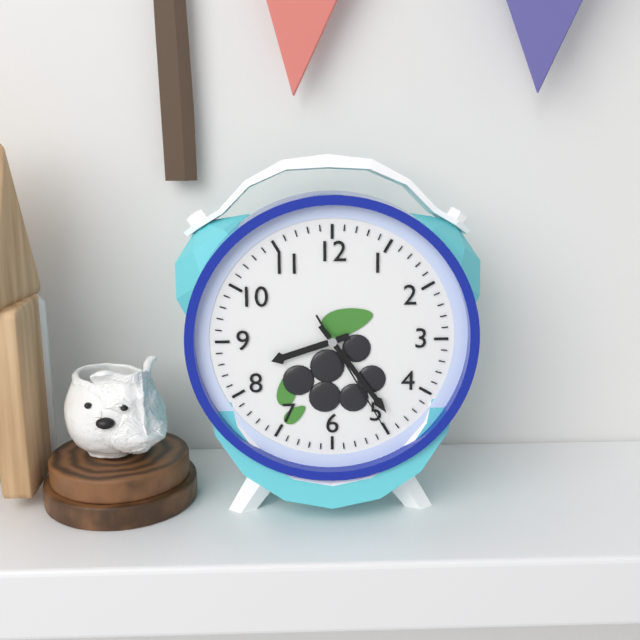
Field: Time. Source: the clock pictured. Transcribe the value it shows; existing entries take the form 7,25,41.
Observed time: 8,24,25
